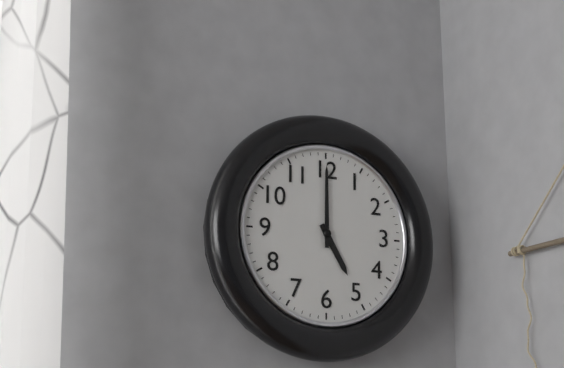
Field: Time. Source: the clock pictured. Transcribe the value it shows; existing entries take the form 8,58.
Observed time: 5,00
